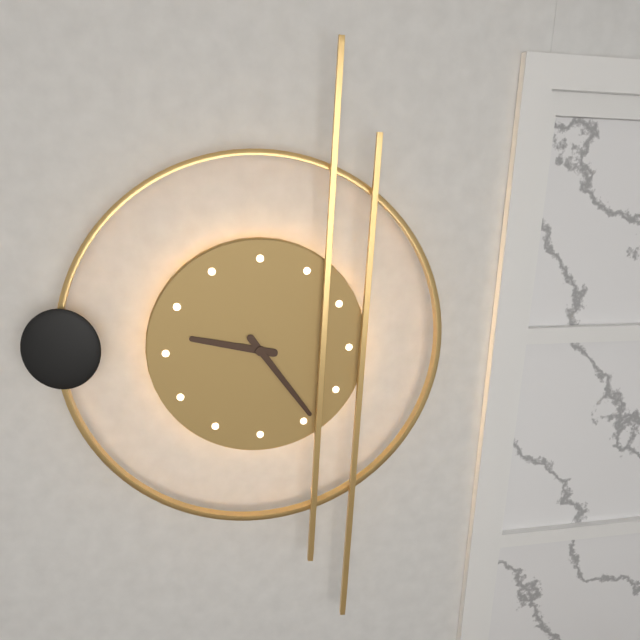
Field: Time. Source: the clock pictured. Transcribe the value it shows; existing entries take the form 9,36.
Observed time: 9,24
